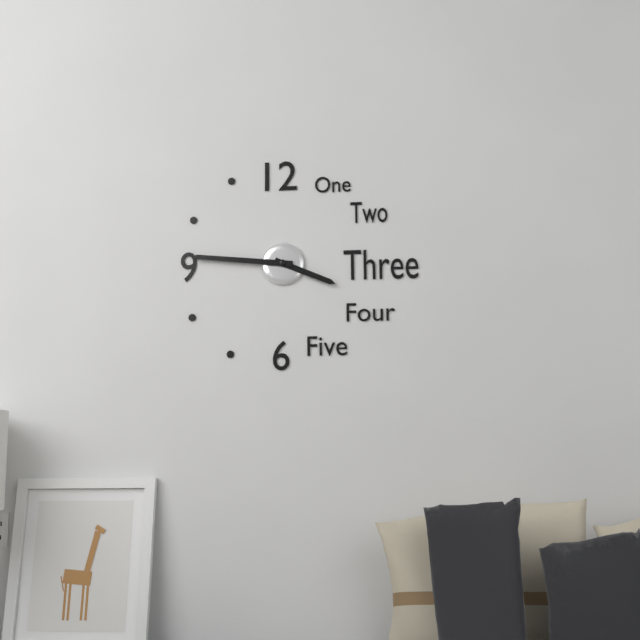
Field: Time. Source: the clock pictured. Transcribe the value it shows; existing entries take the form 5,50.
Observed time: 3,46
